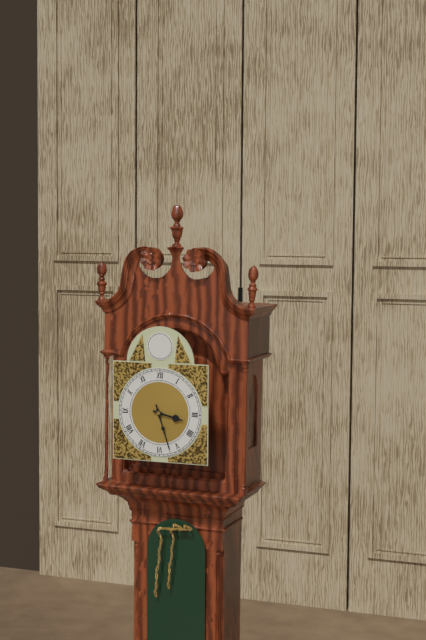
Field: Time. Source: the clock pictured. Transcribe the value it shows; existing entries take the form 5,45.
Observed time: 3,27
